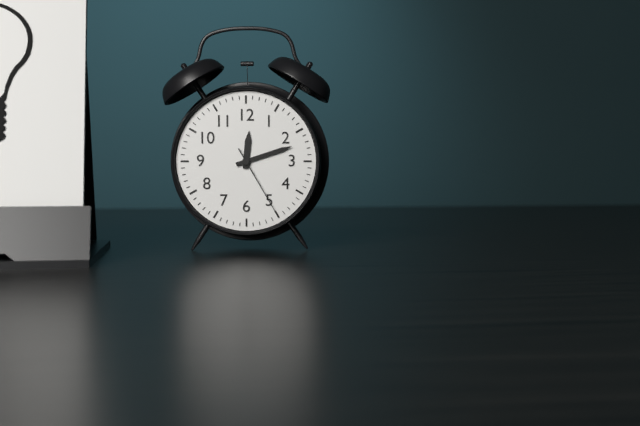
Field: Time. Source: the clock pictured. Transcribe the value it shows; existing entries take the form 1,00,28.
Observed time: 12,12,25
